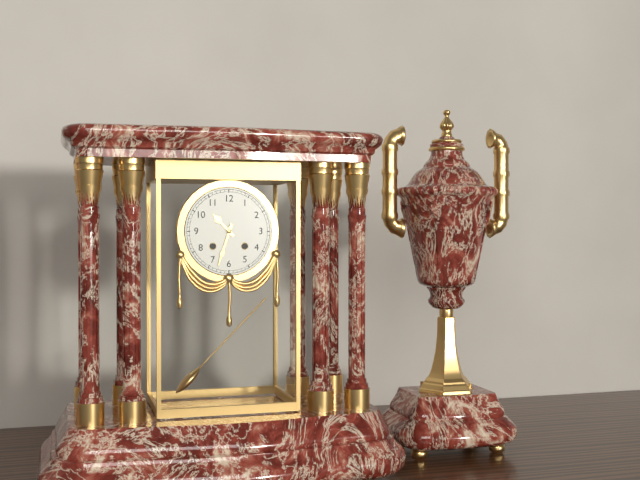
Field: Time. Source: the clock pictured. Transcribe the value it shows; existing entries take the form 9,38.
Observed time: 10,33
